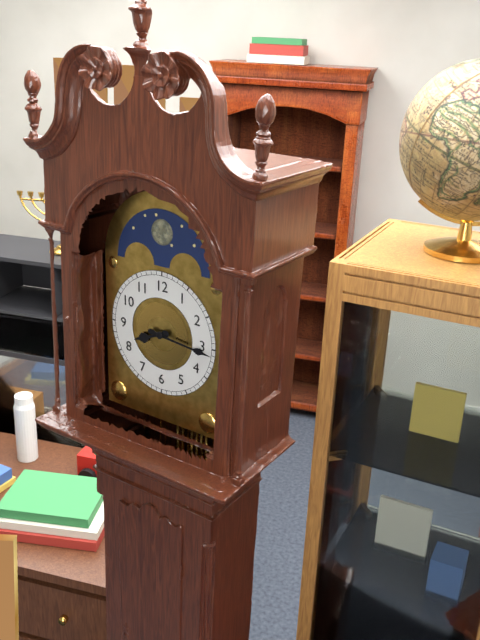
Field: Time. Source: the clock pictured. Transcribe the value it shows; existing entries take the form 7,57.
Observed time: 8,16
